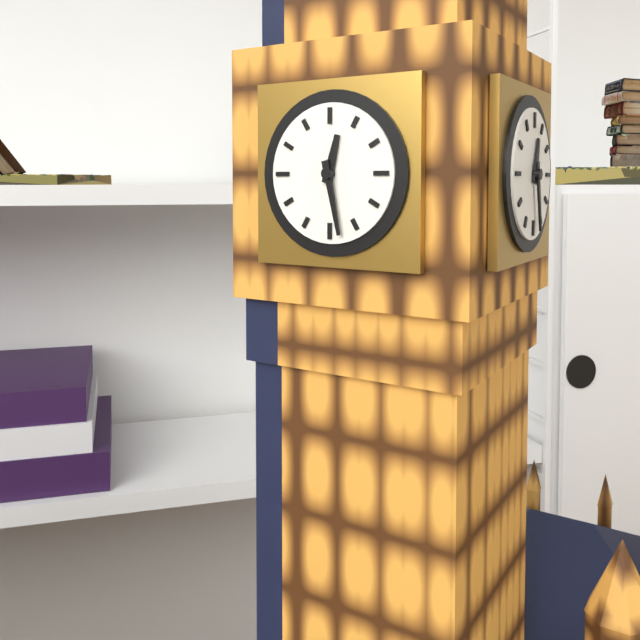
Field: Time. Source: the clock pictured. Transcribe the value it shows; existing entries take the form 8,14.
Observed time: 12,28
